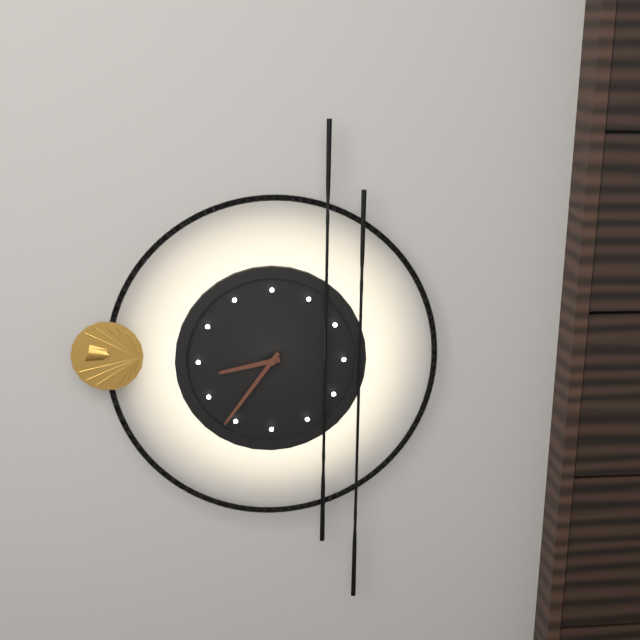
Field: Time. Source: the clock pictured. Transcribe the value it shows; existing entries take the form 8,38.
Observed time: 8,36
